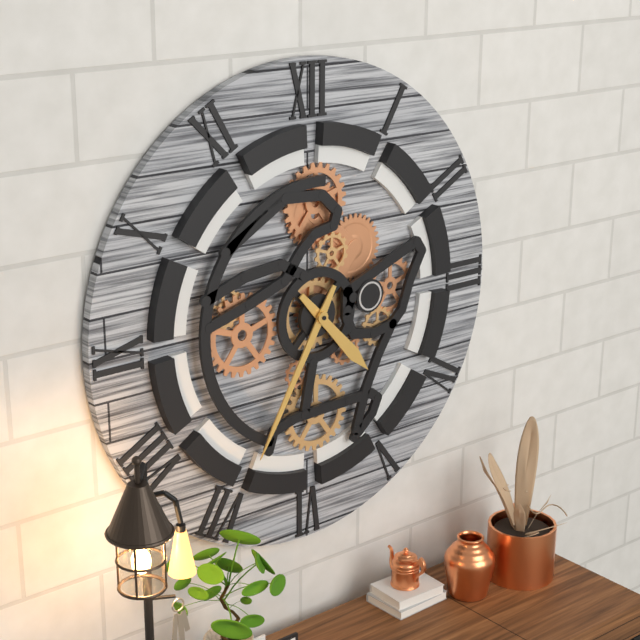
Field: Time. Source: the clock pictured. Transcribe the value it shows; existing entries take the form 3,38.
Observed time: 4,35
